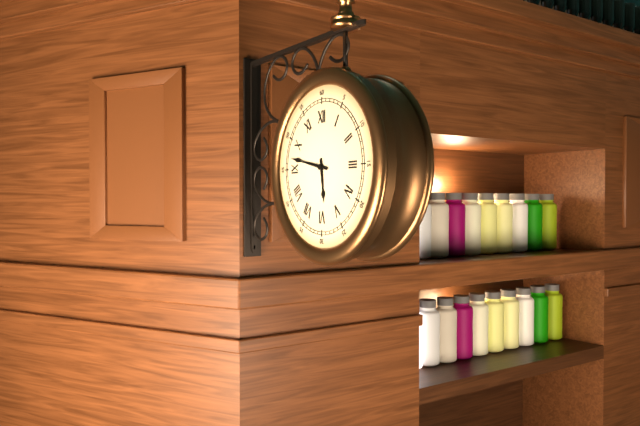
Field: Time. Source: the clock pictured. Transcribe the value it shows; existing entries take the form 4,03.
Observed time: 5,47
